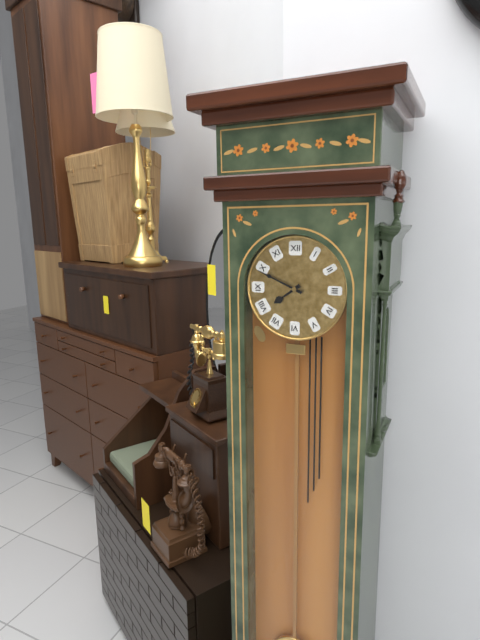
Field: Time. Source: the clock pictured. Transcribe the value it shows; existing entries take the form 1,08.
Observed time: 7,49
